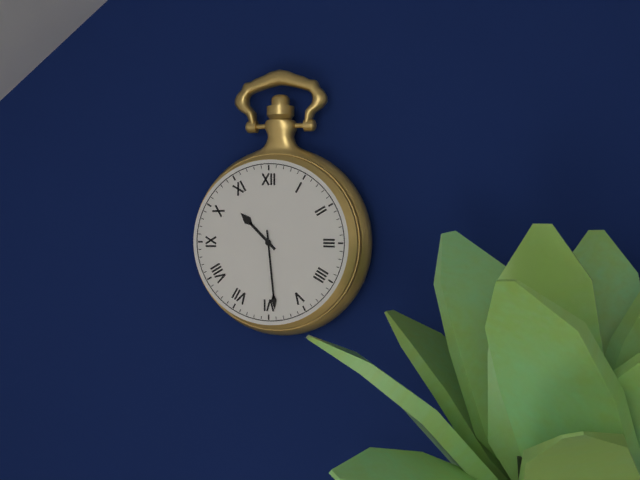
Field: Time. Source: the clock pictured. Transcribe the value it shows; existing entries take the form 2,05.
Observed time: 10,29
